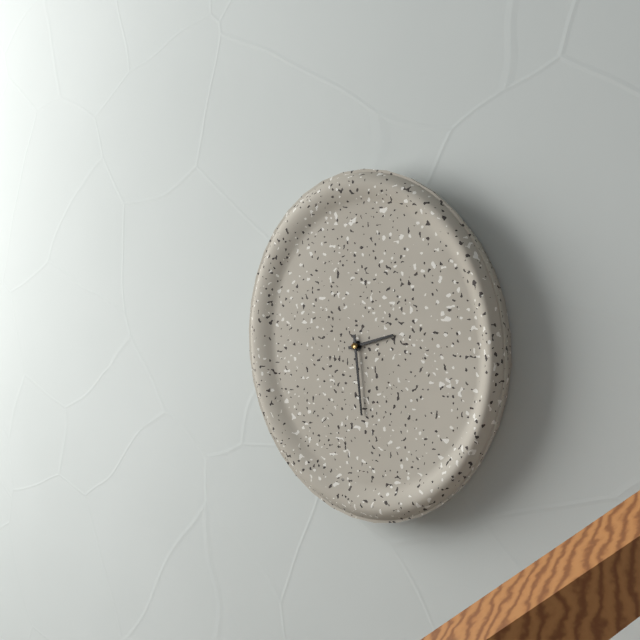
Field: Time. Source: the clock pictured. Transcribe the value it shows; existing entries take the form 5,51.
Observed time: 2,29
